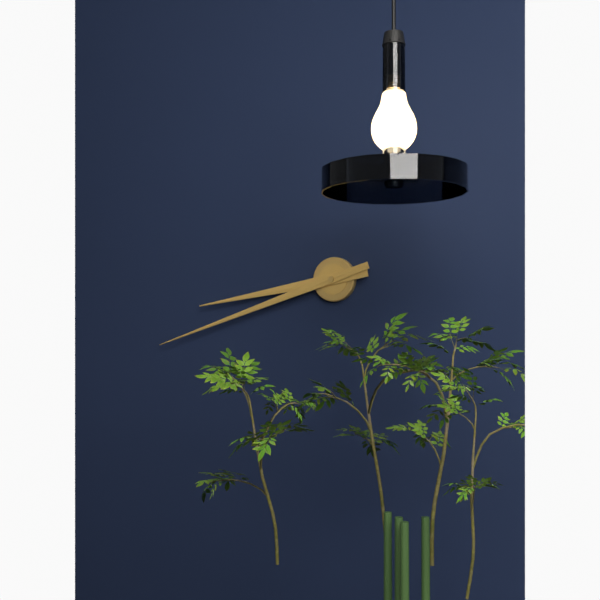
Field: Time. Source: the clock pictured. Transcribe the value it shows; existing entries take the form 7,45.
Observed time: 8,42
